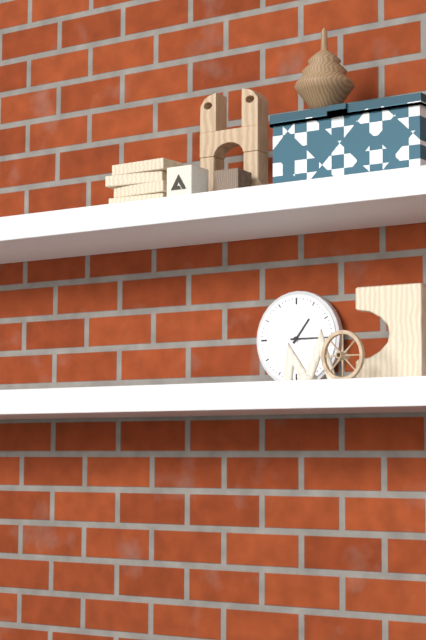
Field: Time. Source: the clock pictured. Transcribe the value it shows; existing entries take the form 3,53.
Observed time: 1,15
